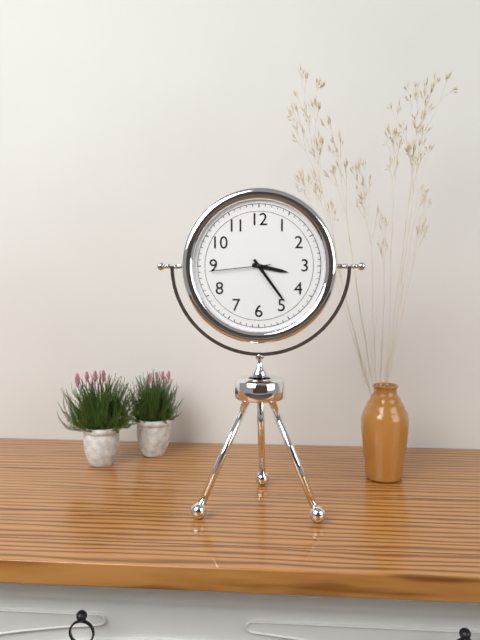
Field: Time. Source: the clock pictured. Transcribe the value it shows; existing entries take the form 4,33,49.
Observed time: 3,24,44
